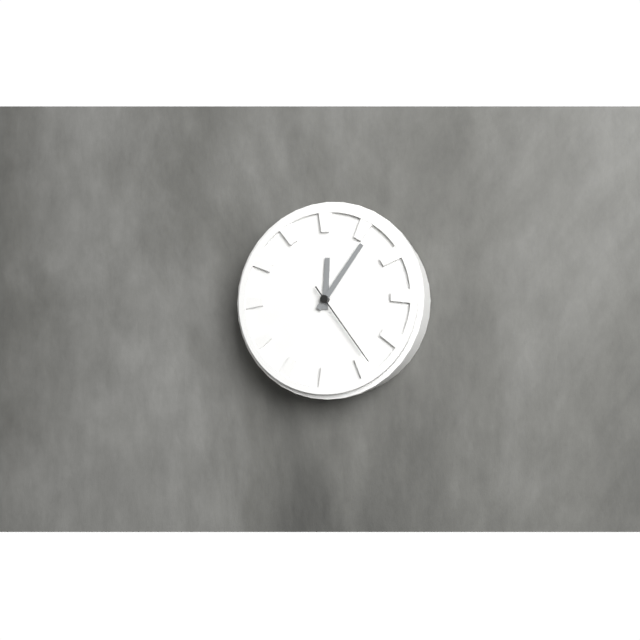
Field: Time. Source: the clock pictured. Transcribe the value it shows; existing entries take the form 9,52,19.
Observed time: 12,06,24
